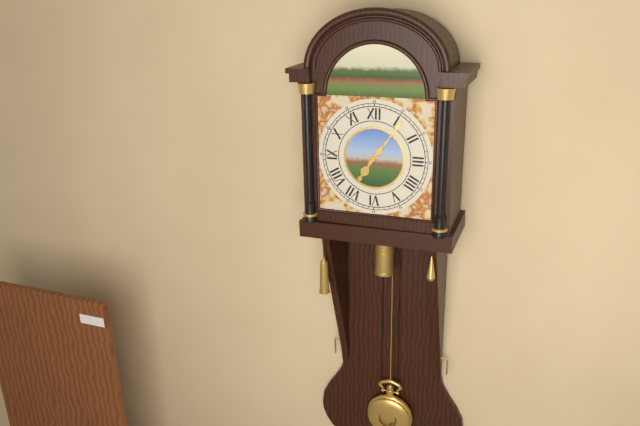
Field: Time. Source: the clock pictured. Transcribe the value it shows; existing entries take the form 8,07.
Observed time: 7,06
